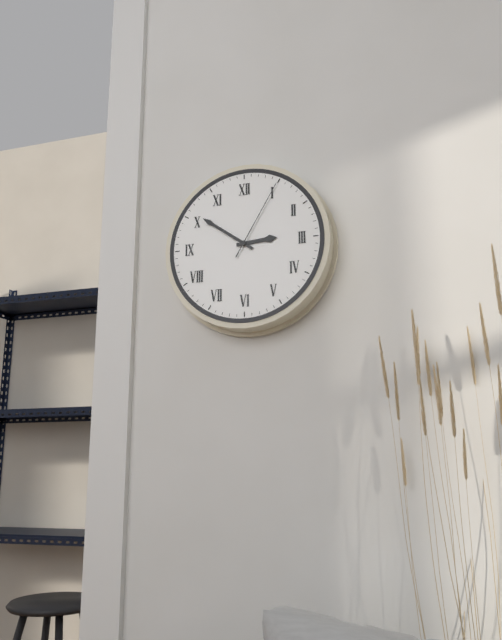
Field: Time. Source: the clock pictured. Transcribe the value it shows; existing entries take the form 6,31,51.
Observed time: 2,51,05
